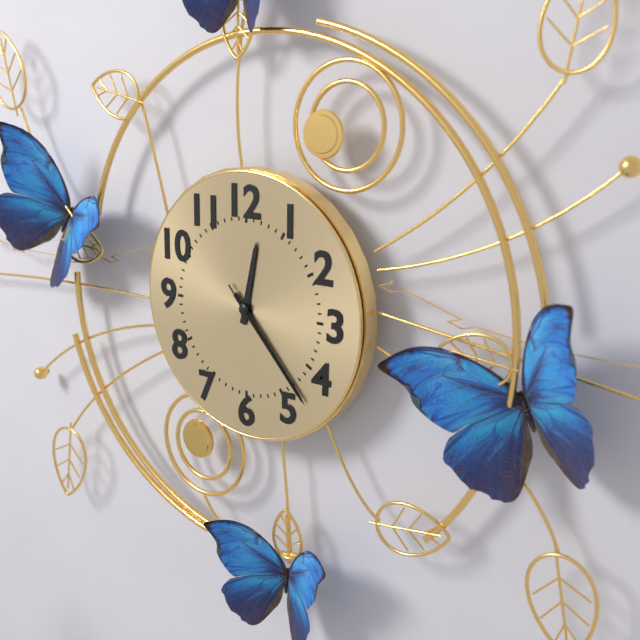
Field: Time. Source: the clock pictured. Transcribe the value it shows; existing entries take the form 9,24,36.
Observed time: 12,23,23
